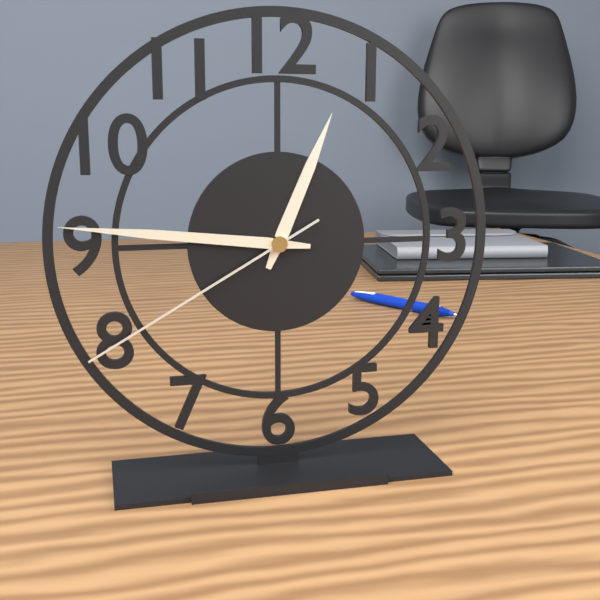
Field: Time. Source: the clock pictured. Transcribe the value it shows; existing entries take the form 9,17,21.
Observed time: 12,46,40
